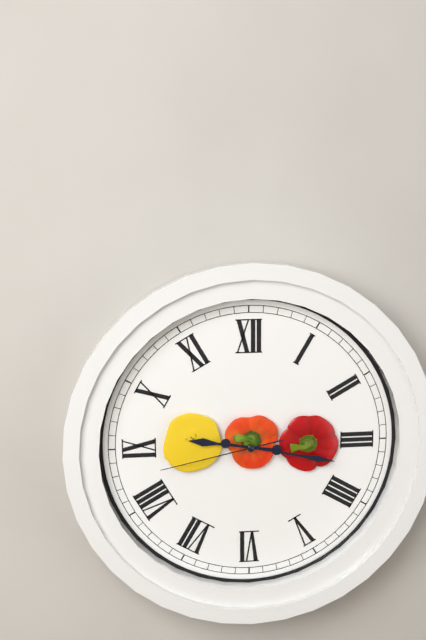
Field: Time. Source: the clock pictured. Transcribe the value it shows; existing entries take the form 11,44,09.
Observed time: 9,17,43
